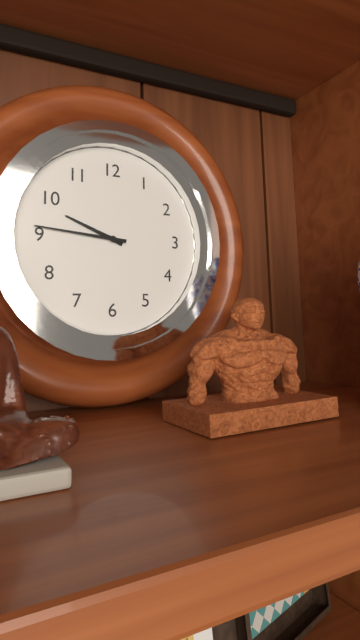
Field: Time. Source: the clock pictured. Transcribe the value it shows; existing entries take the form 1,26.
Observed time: 9,46
